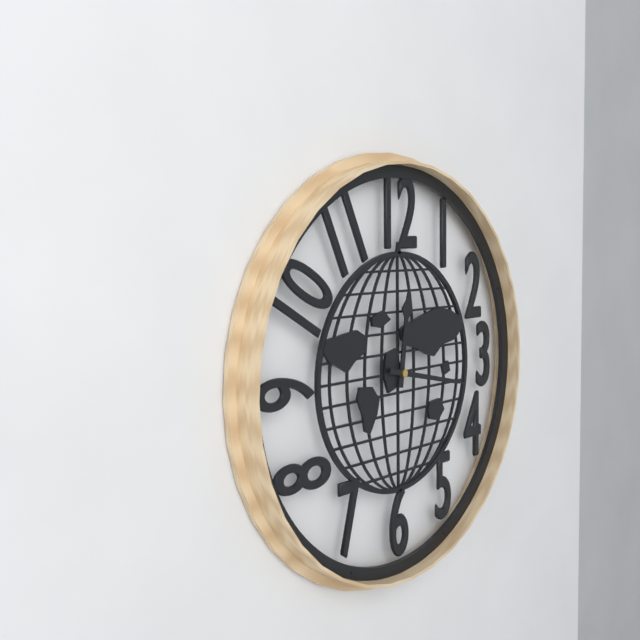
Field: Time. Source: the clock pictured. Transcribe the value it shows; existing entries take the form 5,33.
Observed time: 12,17
